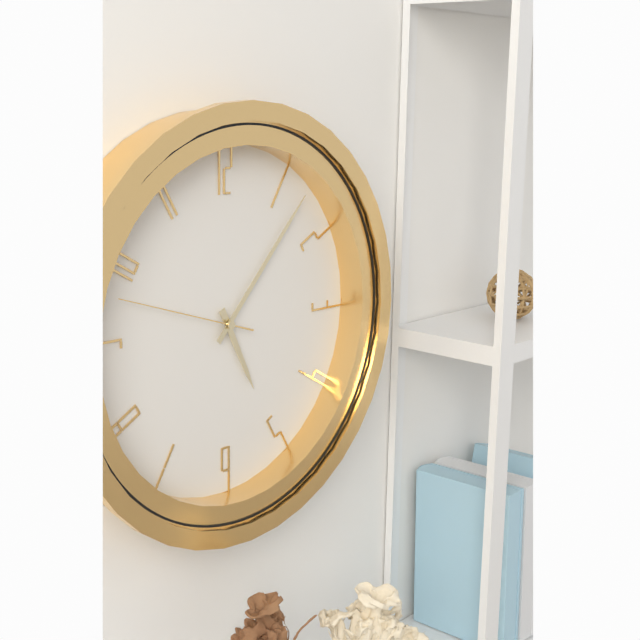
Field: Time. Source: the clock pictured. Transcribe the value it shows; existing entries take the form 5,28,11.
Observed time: 5,07,48
